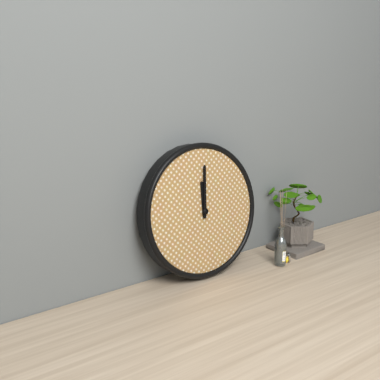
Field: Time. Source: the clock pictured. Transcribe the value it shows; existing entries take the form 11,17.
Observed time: 12,01
